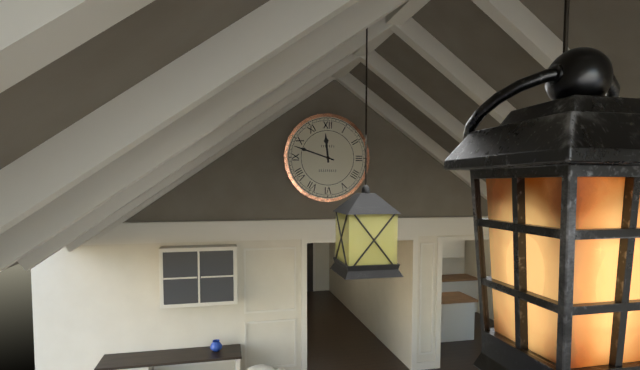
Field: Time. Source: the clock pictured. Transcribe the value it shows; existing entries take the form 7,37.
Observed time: 11,48
